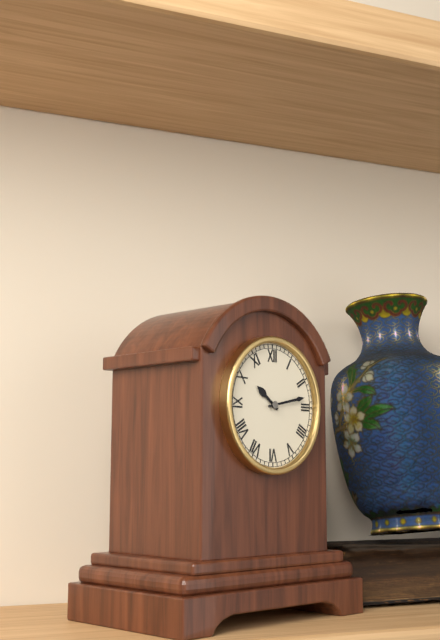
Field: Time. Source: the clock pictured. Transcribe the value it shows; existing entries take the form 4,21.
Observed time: 10,13
